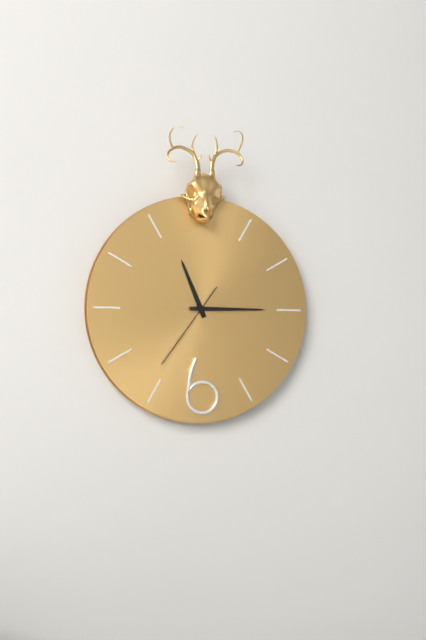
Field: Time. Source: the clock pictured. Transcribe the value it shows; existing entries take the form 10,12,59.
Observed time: 11,15,36
